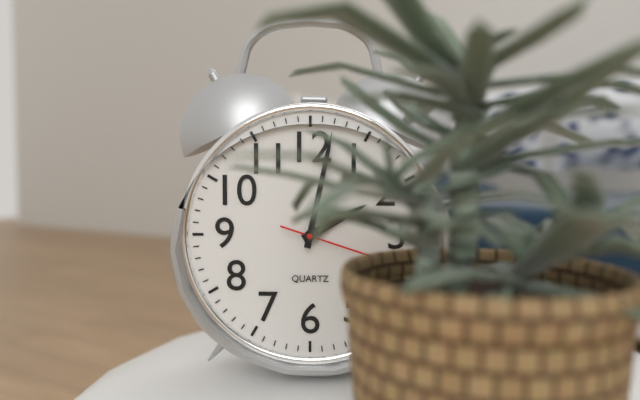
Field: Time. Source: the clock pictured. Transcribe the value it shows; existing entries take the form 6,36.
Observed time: 2,02
